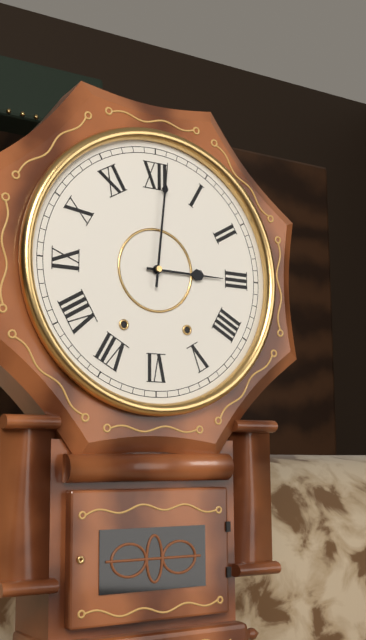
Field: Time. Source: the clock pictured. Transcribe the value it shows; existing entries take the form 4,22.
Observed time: 3,01
